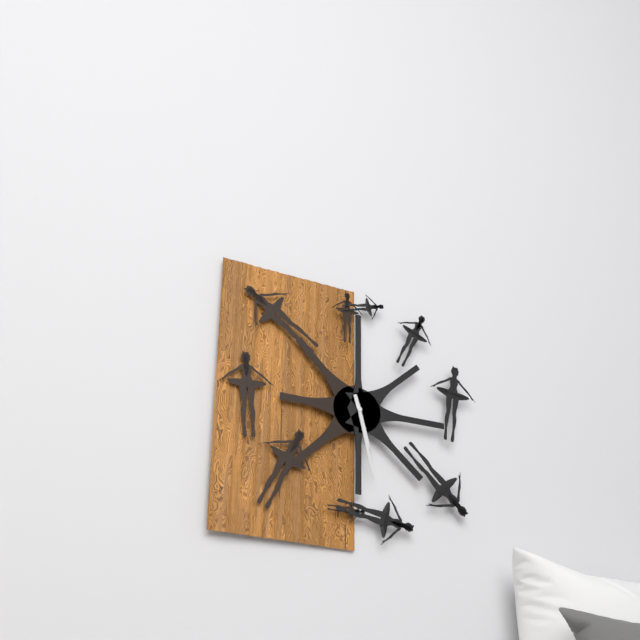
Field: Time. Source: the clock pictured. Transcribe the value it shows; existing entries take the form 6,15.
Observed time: 5,28
